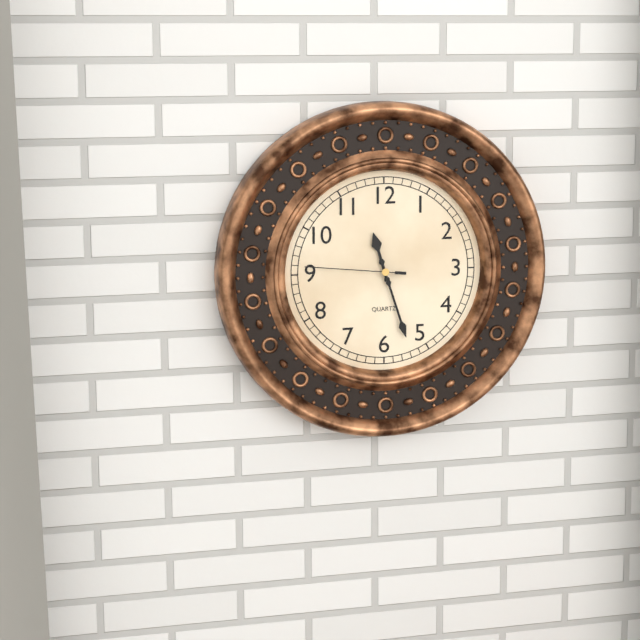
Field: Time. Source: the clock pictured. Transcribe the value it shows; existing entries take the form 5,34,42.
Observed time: 11,27,46
